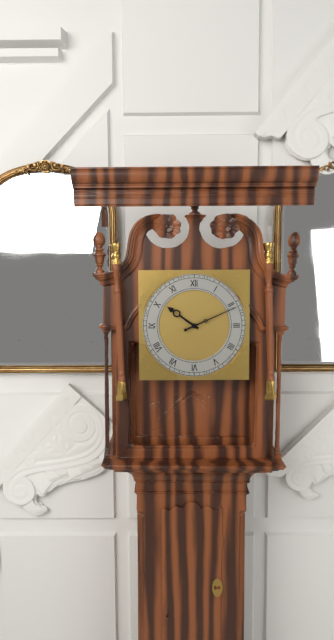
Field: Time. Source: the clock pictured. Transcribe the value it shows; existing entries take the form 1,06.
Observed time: 10,11
